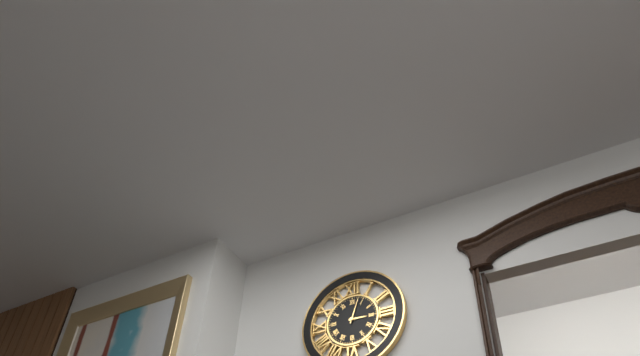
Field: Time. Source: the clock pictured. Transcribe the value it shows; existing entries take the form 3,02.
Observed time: 3,03
